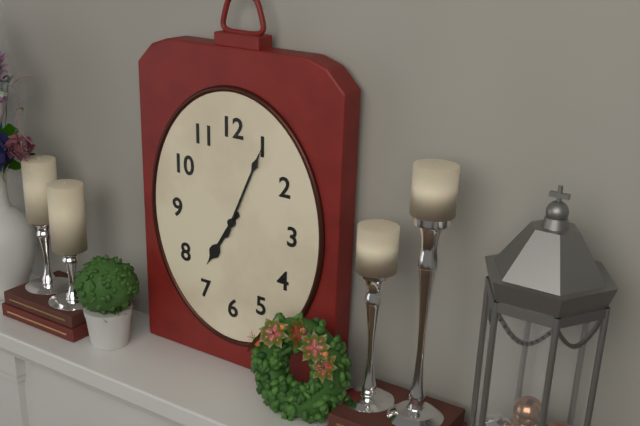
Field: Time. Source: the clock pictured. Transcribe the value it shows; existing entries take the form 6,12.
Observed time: 7,04
